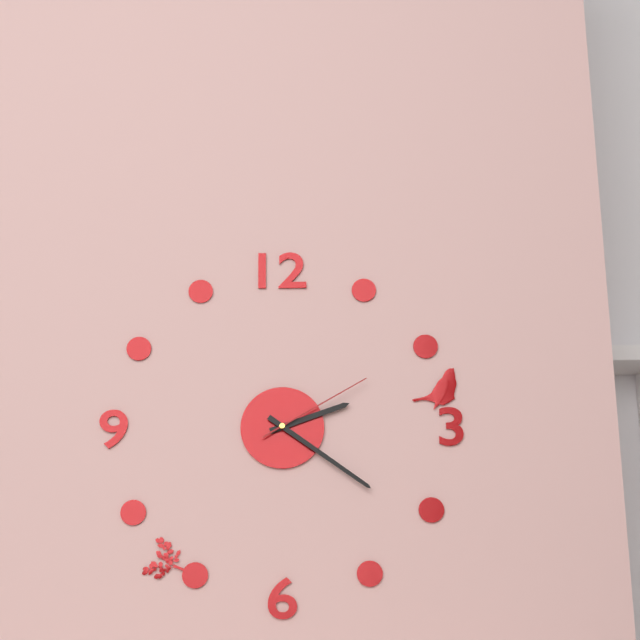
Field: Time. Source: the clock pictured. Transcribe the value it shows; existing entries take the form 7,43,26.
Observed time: 2,21,10
